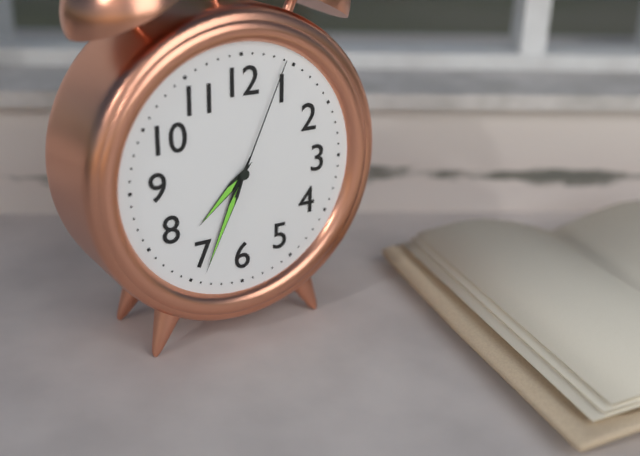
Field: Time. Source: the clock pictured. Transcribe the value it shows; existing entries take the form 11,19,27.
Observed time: 7,34,04
